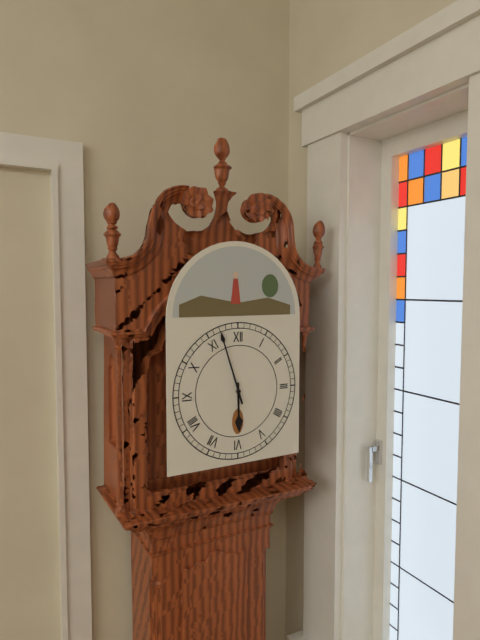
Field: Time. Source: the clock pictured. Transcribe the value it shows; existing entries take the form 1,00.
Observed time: 5,57
